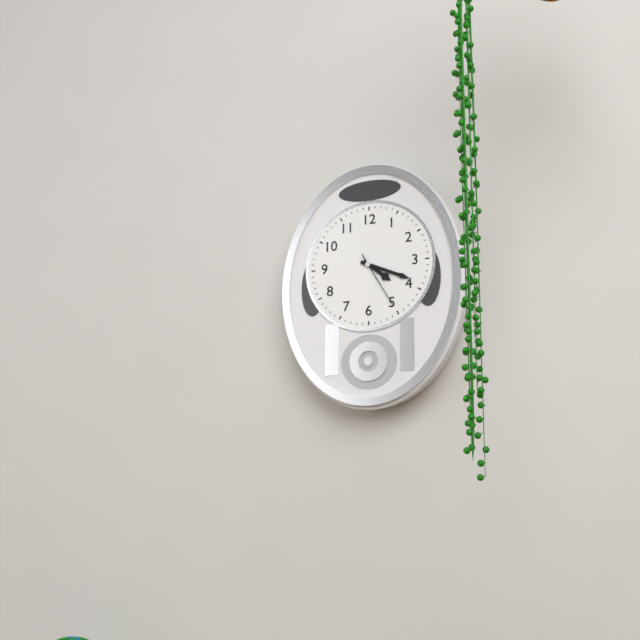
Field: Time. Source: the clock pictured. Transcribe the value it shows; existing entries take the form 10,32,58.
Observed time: 4,19,25
